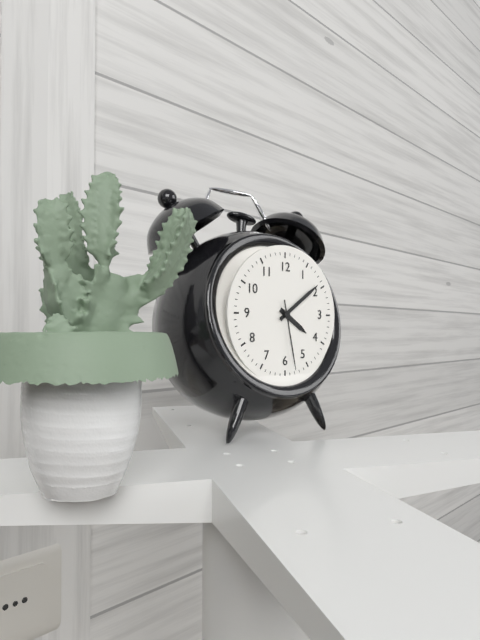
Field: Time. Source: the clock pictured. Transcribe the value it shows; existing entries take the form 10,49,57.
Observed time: 4,09,28
